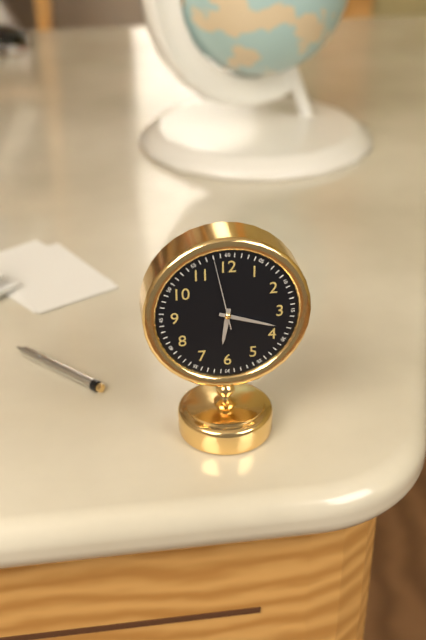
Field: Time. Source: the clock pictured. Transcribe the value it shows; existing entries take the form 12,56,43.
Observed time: 6,18,58
